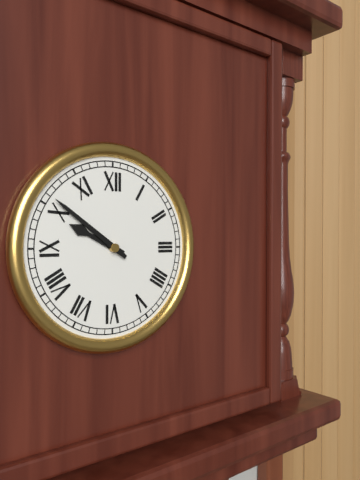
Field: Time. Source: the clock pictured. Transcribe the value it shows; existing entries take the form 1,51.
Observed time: 9,51
